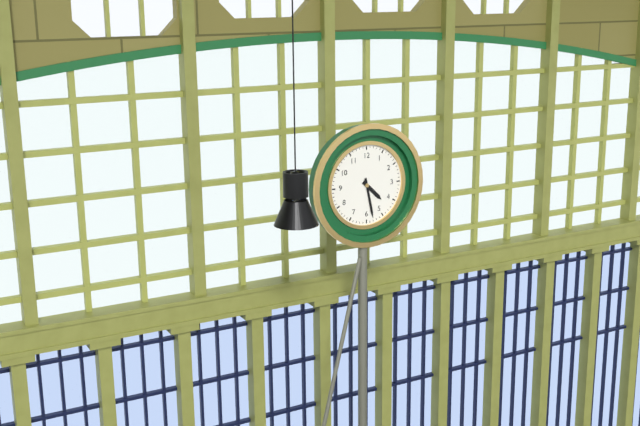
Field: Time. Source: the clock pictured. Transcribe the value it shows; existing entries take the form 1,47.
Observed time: 4,28
